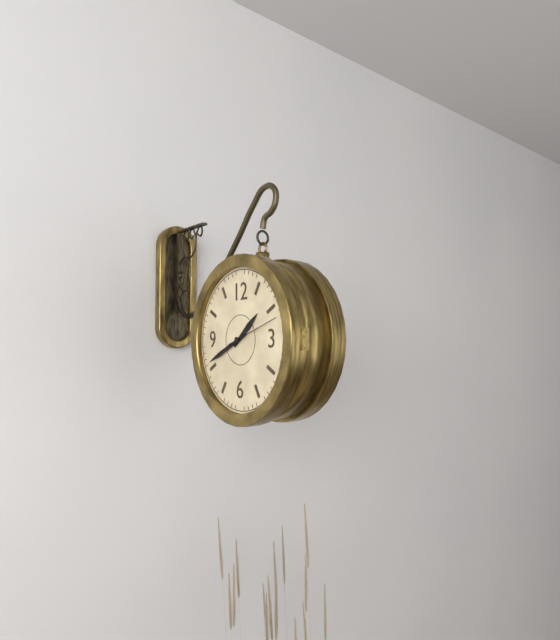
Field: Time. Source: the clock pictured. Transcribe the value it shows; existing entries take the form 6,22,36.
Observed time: 1,41,12
